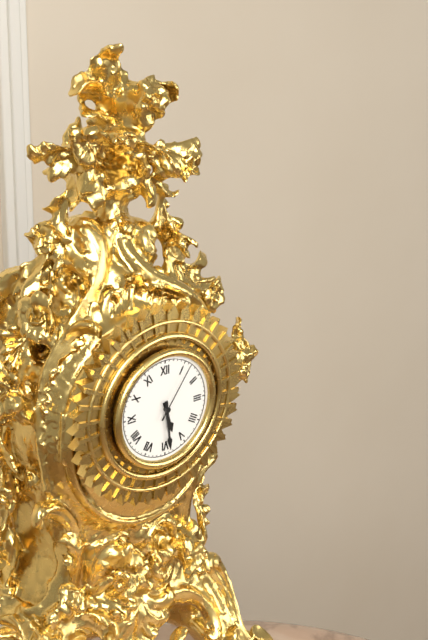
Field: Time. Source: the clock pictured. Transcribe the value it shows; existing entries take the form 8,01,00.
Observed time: 5,29,06
